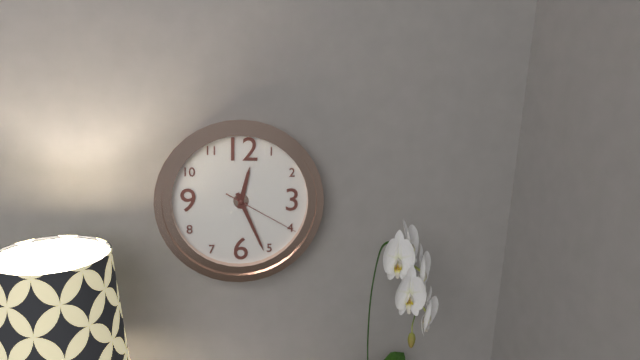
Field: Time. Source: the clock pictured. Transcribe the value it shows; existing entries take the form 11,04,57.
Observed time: 12,26,20
